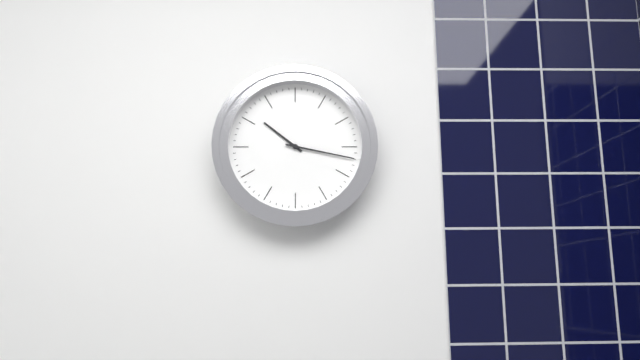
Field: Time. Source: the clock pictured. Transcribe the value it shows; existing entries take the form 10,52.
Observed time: 10,17
